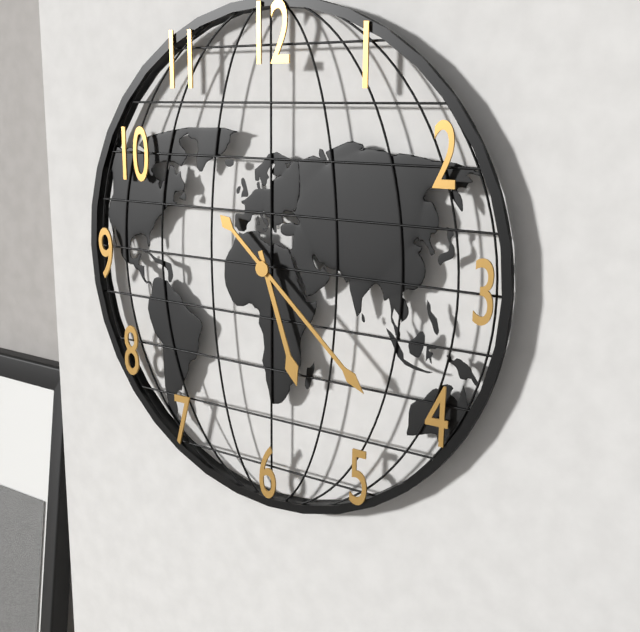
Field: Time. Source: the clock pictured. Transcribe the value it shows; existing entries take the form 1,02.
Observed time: 5,22
